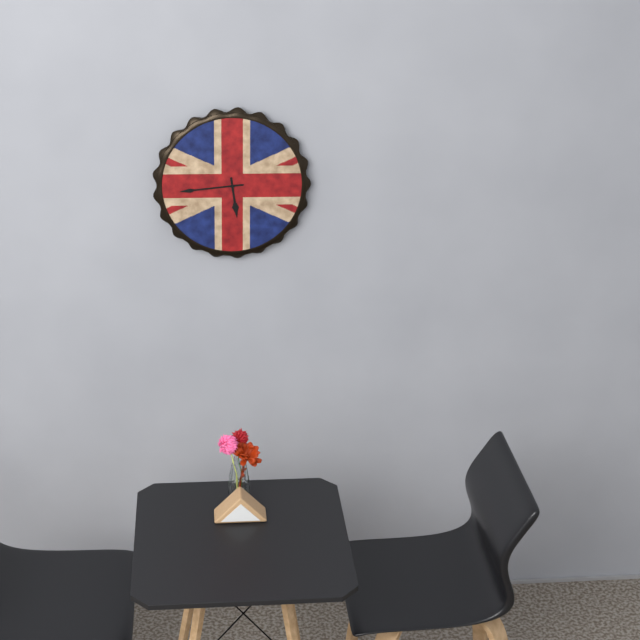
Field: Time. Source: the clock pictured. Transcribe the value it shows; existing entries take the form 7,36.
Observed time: 5,44
